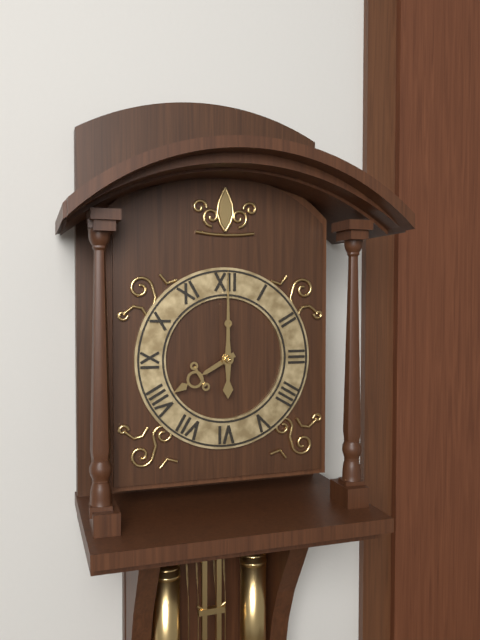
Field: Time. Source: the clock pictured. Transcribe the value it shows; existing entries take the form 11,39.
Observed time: 8,00
